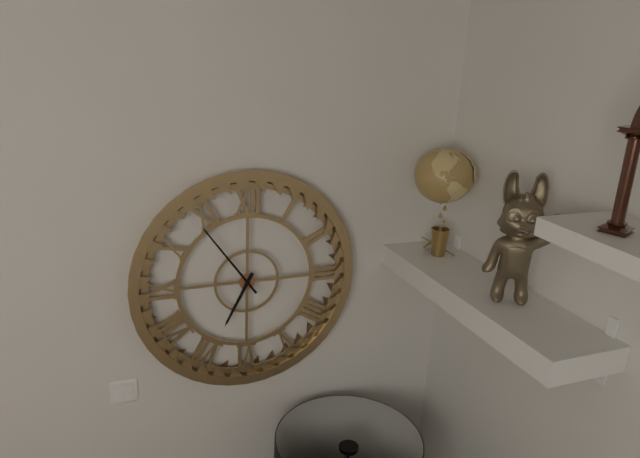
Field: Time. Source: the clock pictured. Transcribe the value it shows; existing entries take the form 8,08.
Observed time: 6,54
